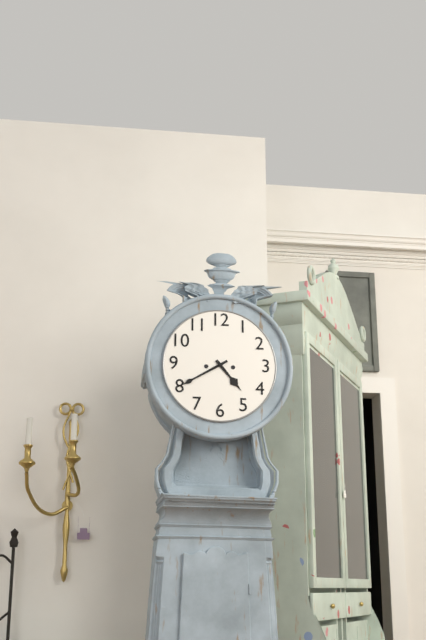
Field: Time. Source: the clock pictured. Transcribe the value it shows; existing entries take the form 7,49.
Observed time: 4,40
